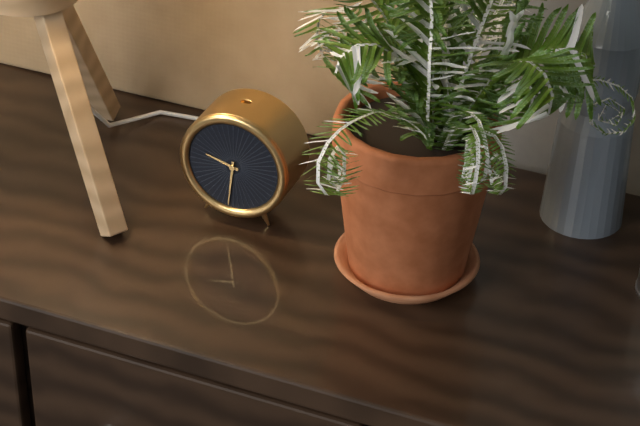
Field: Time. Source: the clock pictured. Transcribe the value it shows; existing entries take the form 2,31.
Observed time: 9,31
